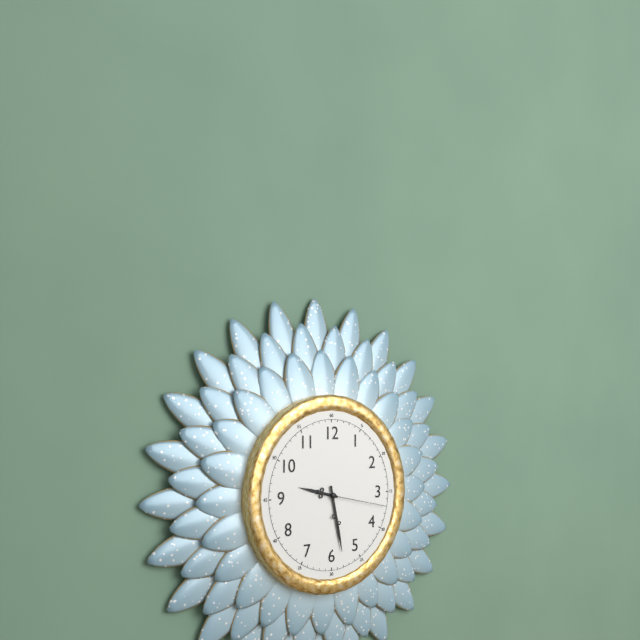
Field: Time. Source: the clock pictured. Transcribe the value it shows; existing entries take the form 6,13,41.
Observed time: 9,28,17
